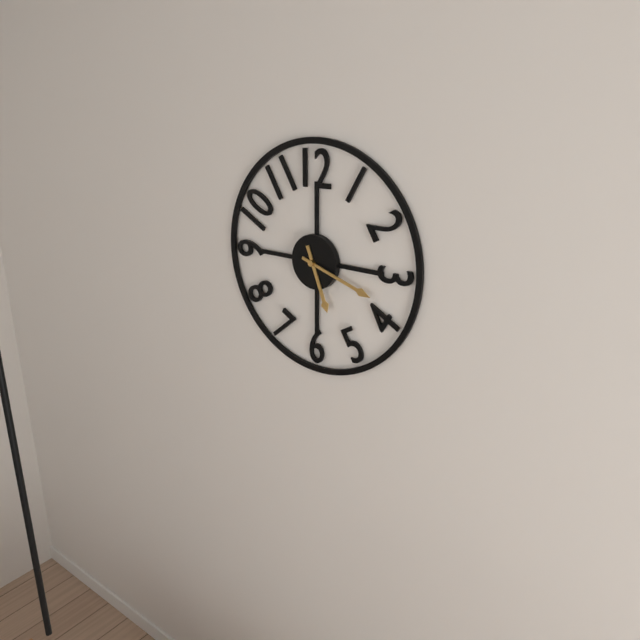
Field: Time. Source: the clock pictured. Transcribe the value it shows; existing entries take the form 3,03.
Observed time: 5,18
